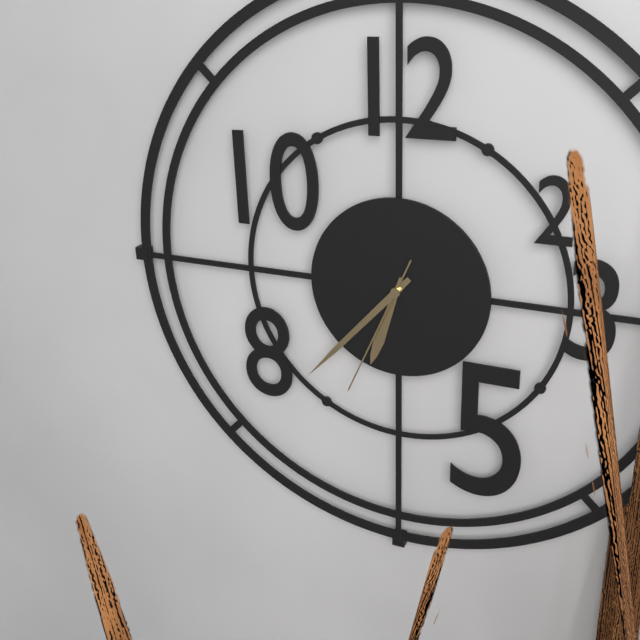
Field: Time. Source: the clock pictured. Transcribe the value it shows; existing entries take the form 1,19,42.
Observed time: 6,37,34
